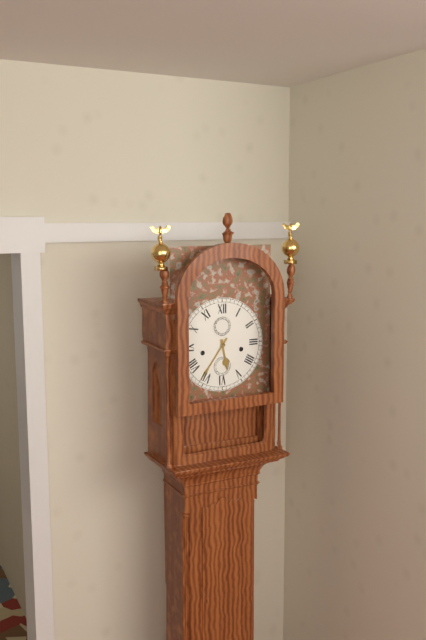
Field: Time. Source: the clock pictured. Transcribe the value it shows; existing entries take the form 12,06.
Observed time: 5,36
